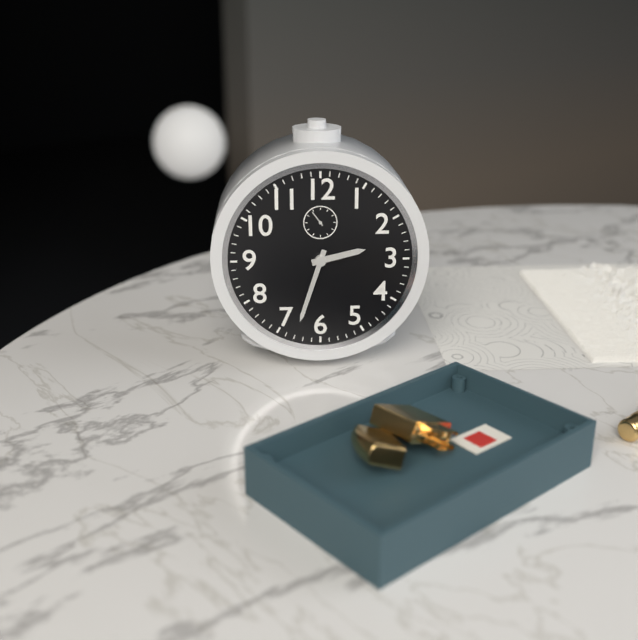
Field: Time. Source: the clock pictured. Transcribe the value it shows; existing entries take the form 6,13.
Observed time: 2,33
